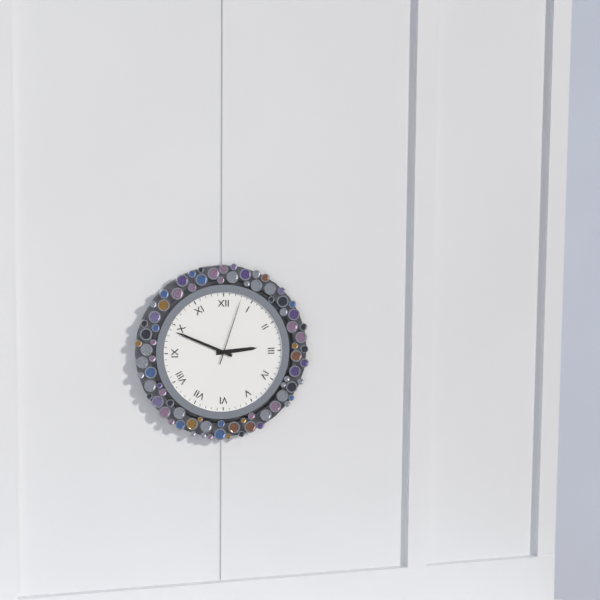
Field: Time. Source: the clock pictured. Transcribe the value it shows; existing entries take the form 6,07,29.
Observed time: 2,49,03
